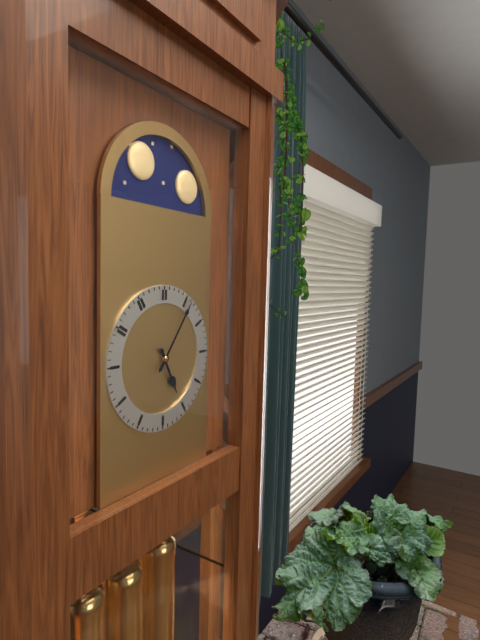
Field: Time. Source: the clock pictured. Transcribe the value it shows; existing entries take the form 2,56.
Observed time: 5,06
